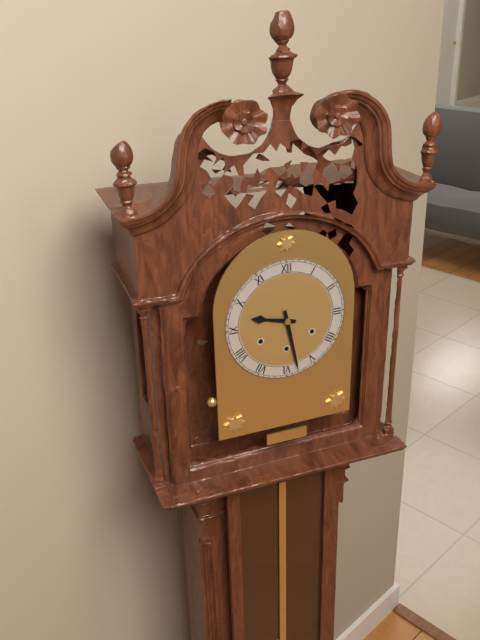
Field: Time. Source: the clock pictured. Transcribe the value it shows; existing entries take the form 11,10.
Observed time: 9,28
